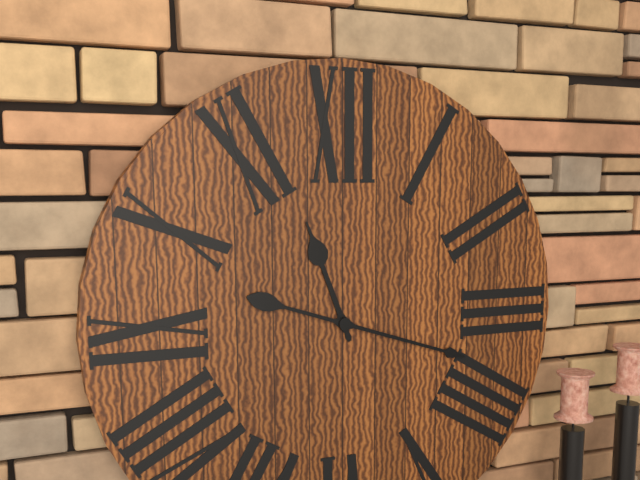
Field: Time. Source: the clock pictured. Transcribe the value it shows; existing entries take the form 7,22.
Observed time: 11,18
